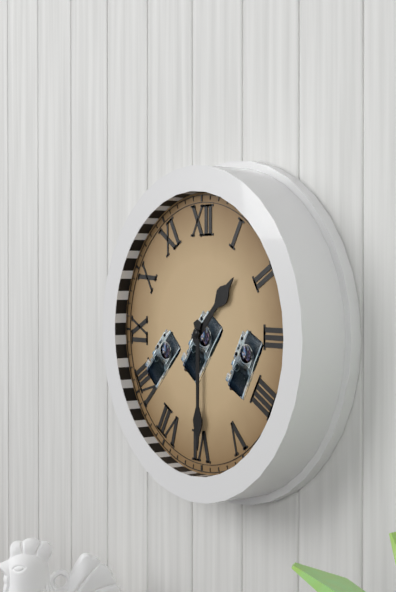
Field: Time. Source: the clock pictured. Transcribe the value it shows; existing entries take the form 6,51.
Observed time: 1,30
